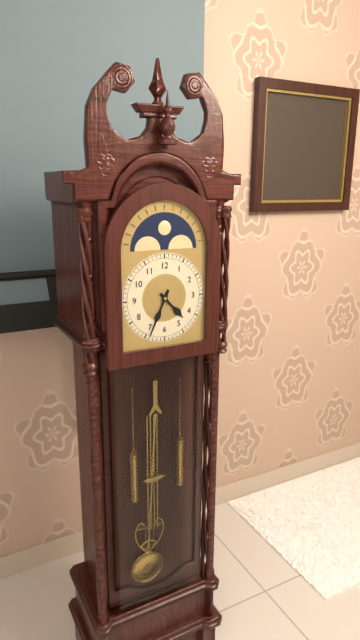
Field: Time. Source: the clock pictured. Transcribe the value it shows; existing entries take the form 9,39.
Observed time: 4,34
